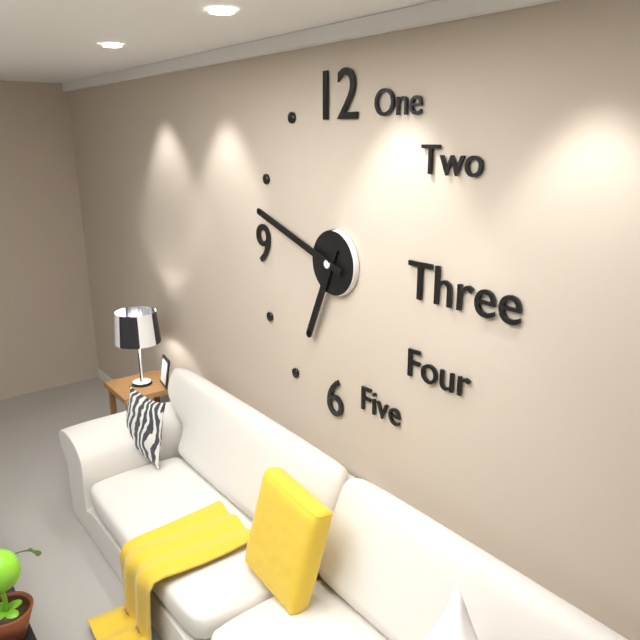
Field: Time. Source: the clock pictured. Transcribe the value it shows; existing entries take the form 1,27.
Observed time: 6,48
